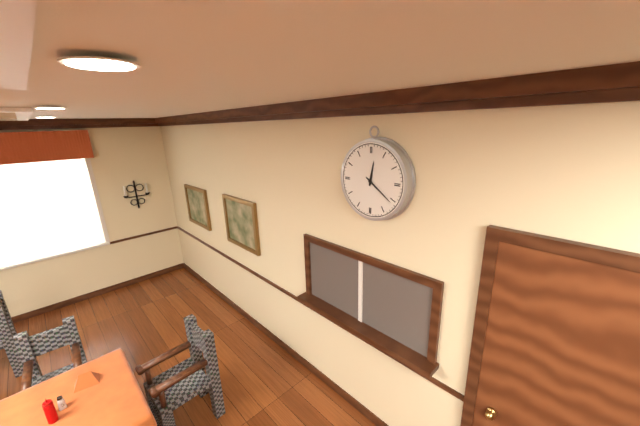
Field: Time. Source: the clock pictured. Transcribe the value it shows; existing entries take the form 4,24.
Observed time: 12,21
